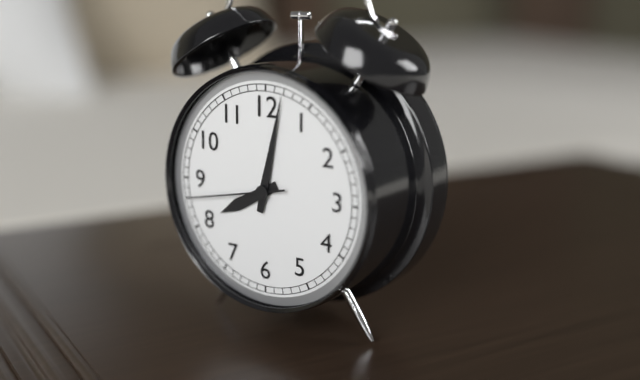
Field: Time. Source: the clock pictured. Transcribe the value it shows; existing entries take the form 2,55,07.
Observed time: 8,02,43
